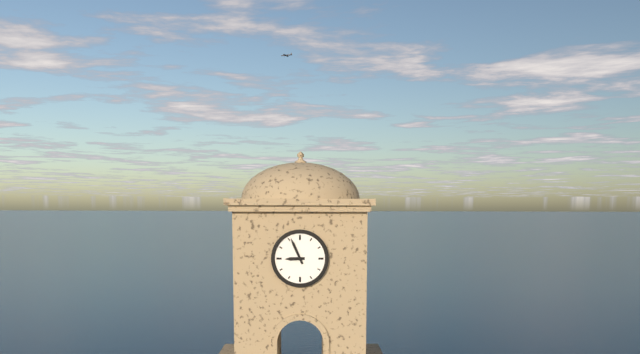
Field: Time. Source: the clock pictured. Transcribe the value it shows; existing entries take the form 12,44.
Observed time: 8,56
